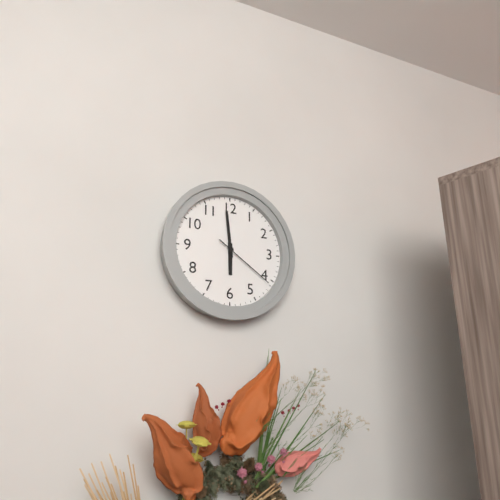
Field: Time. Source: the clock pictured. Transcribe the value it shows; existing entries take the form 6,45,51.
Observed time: 5,59,21
